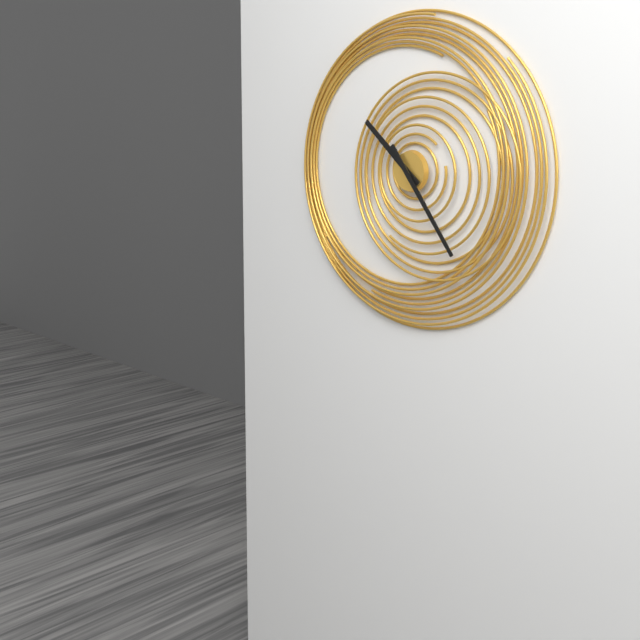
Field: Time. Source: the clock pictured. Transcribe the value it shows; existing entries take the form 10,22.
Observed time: 10,24
